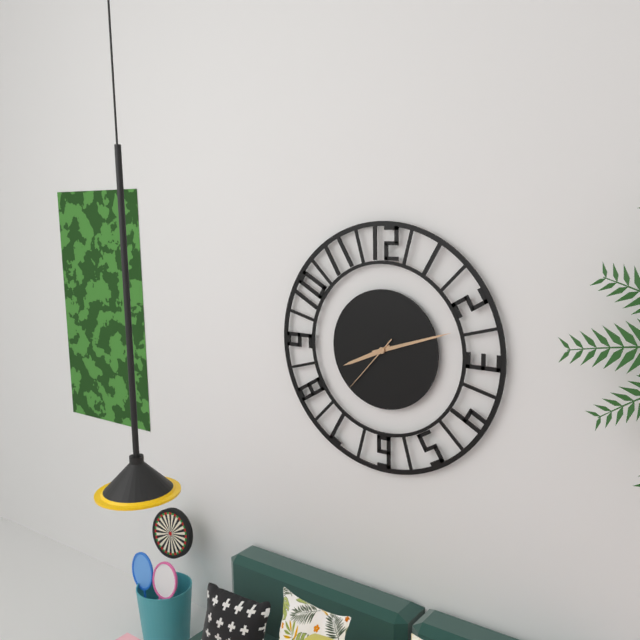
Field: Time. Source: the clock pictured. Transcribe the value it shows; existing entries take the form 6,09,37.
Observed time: 8,12,37
